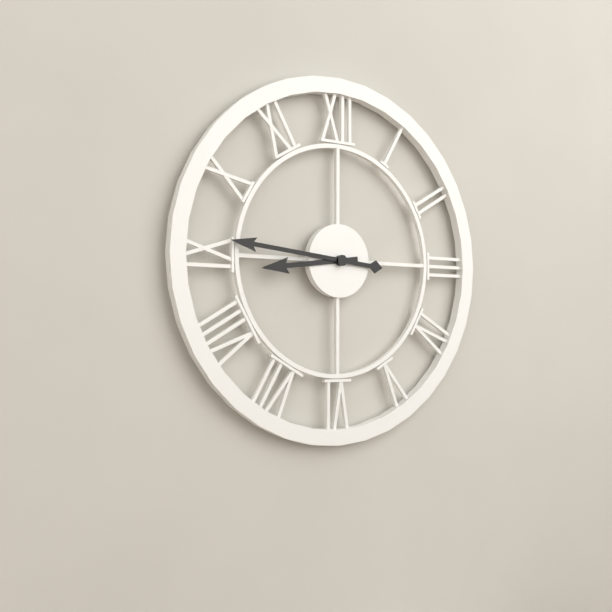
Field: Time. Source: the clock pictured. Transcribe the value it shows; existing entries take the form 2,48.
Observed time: 8,46
